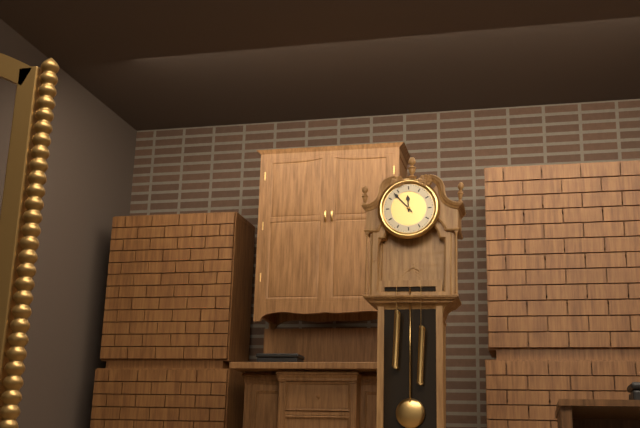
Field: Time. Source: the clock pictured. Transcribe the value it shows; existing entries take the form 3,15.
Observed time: 11,53
